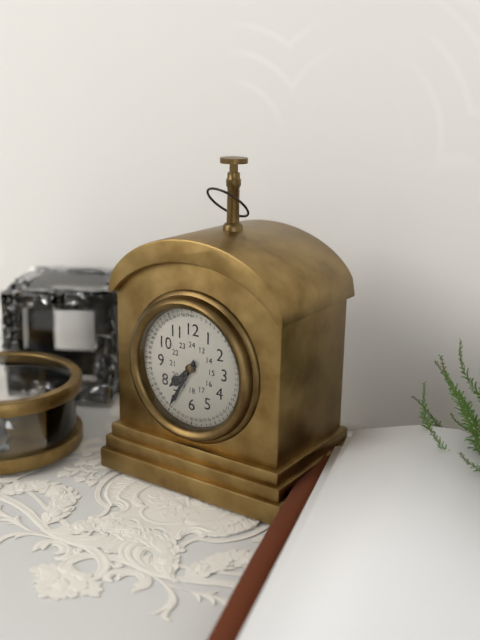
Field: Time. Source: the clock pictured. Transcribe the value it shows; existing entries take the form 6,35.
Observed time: 7,35
